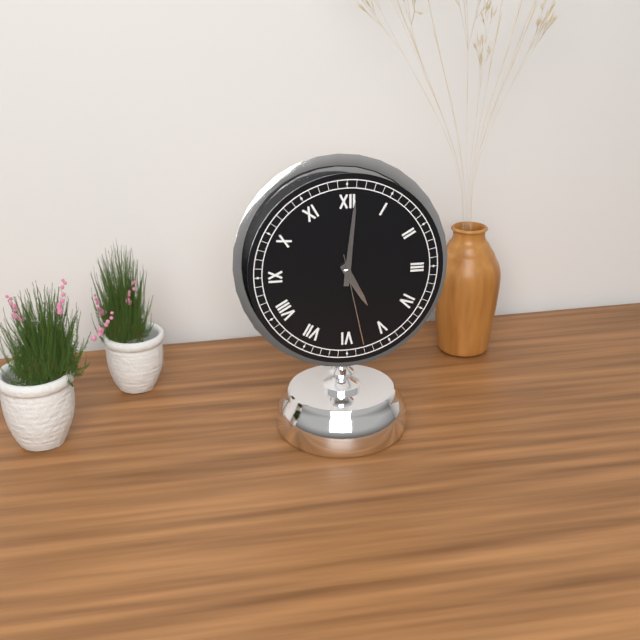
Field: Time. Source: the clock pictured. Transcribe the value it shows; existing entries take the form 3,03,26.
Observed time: 5,01,28
